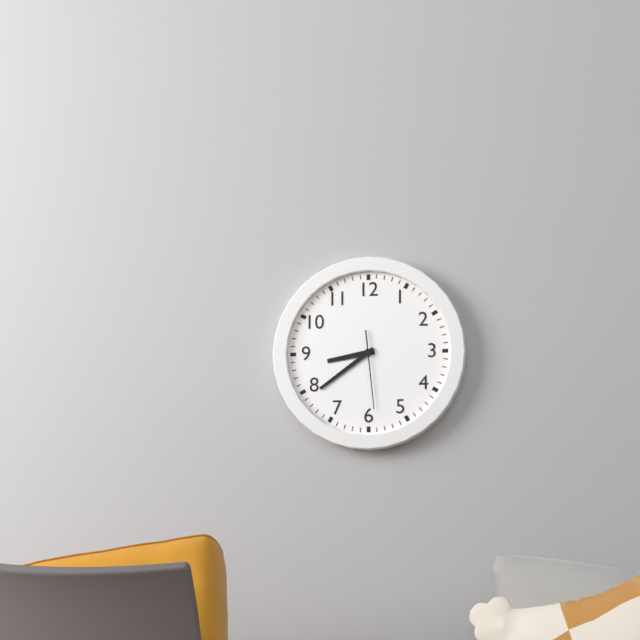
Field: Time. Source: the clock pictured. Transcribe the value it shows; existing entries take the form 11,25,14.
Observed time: 8,39,29
